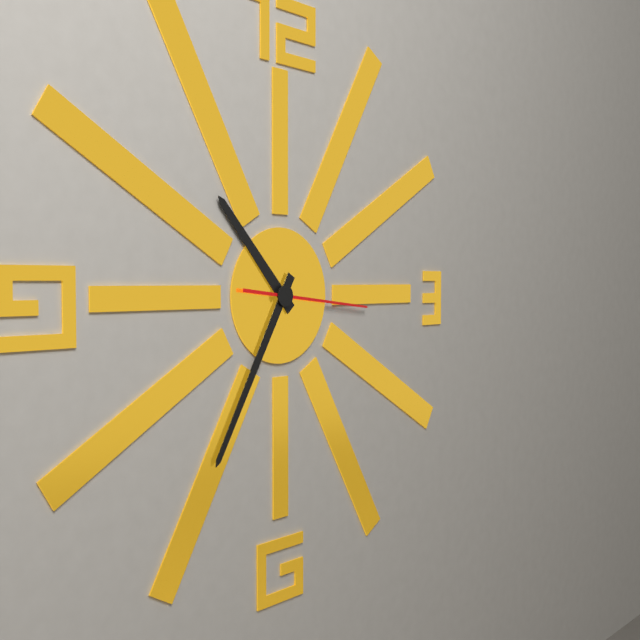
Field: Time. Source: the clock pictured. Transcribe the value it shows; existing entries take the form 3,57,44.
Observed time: 10,35,16
